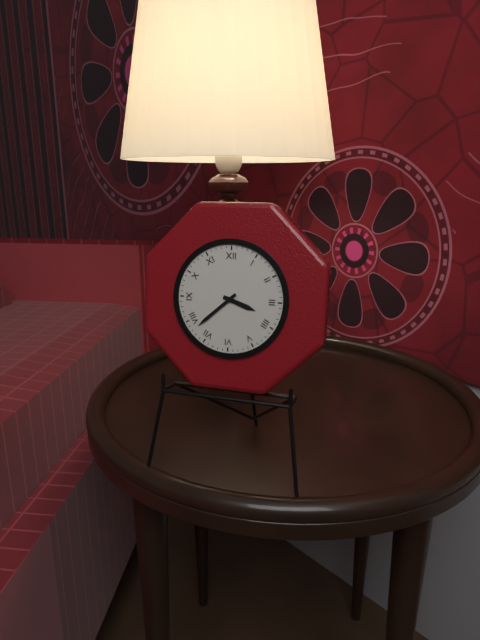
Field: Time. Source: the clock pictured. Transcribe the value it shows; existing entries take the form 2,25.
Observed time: 3,38
